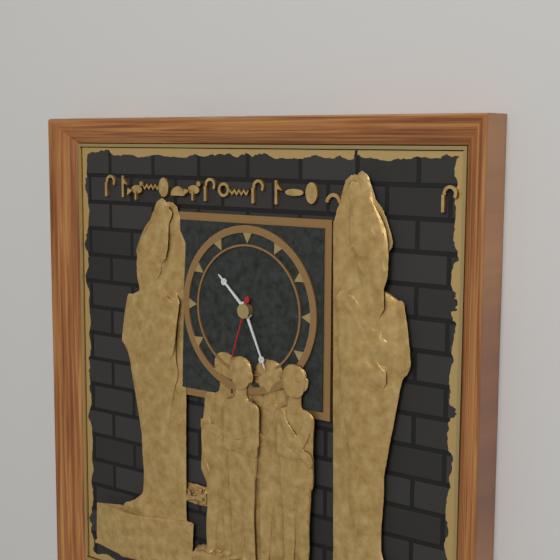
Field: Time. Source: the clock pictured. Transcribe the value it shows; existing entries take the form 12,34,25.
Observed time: 10,26,33
